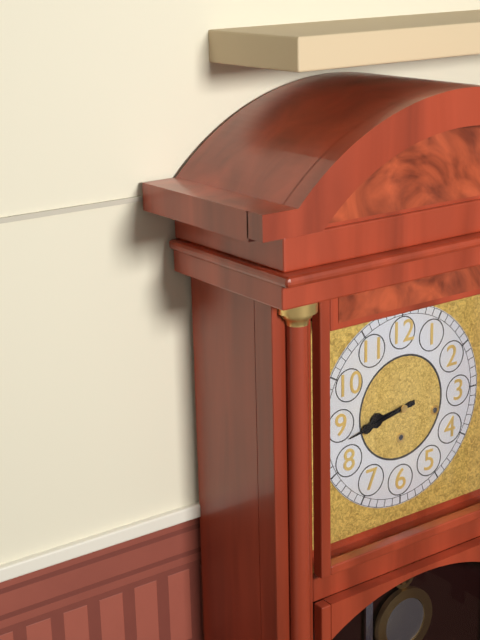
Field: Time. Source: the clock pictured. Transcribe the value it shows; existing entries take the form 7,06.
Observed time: 8,43
